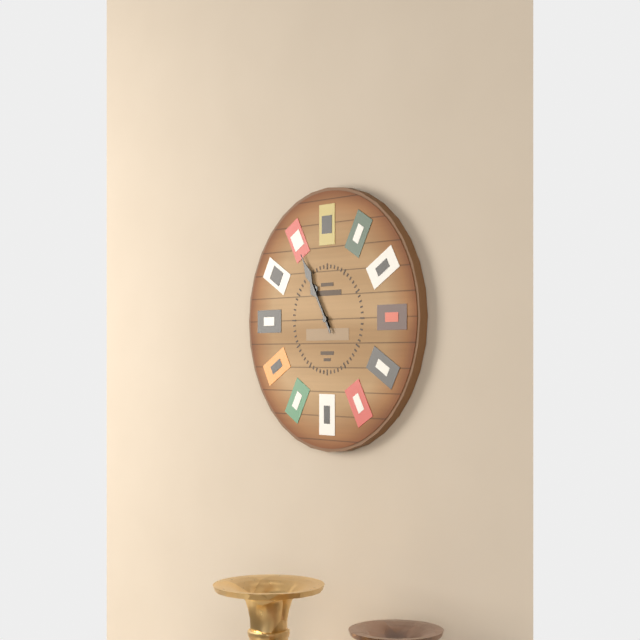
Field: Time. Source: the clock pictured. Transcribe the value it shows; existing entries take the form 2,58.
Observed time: 10,55
